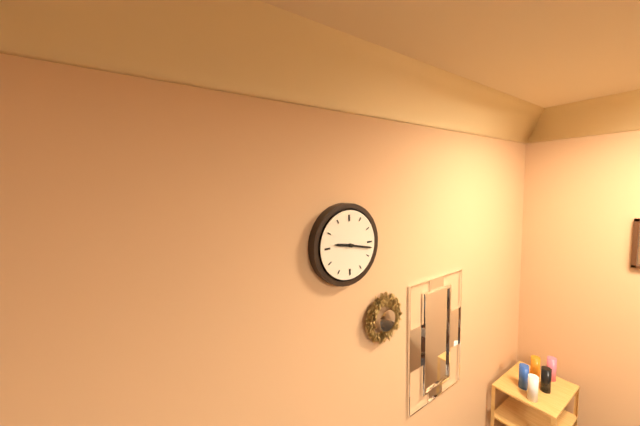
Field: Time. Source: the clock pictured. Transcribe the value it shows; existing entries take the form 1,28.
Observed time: 9,17
